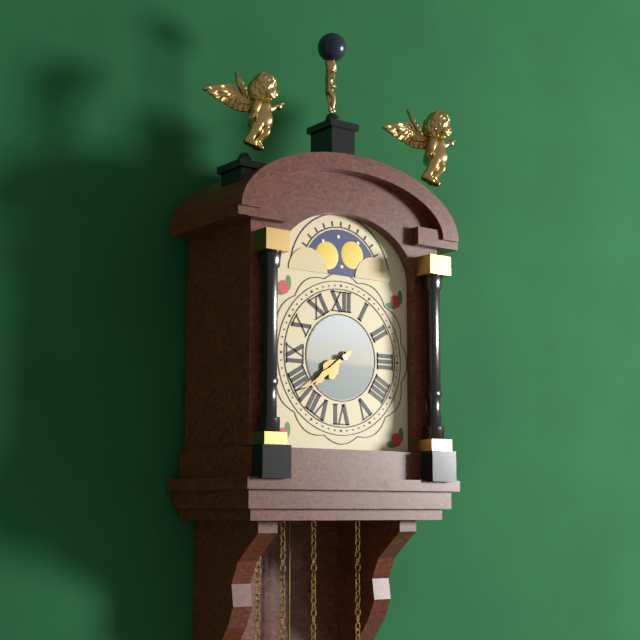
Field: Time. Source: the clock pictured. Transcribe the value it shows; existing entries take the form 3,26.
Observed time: 7,39
